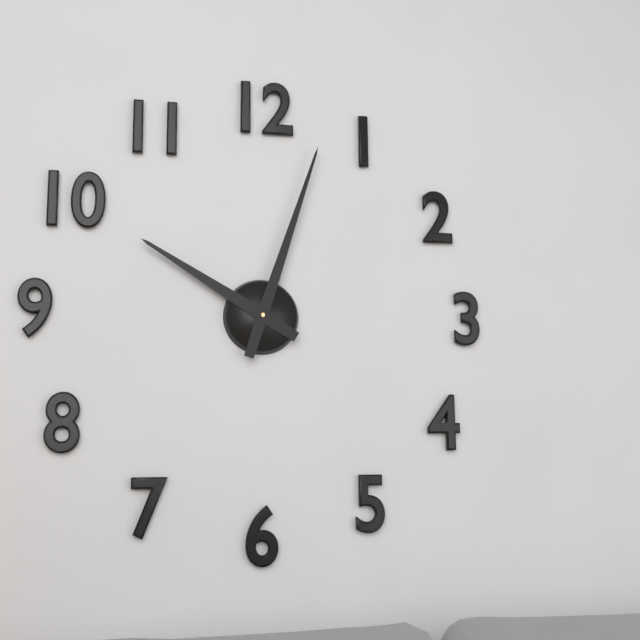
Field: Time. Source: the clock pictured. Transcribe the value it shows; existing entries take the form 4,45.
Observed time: 10,03
